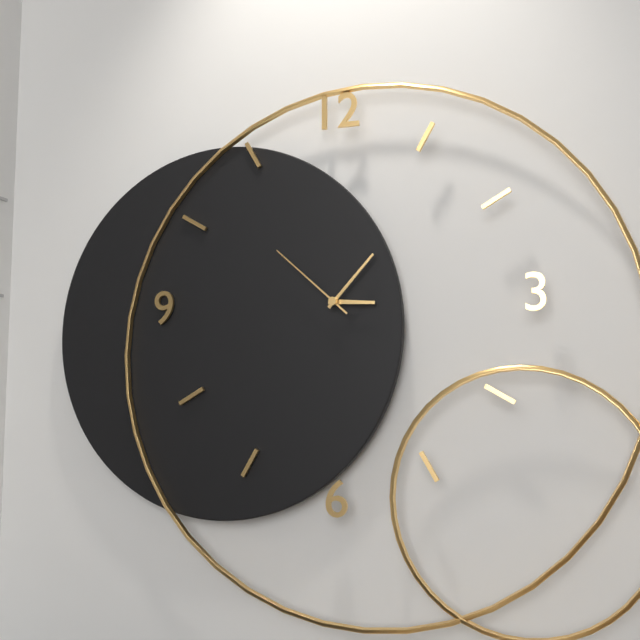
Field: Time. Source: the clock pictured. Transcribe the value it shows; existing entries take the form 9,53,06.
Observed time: 3,07,52
